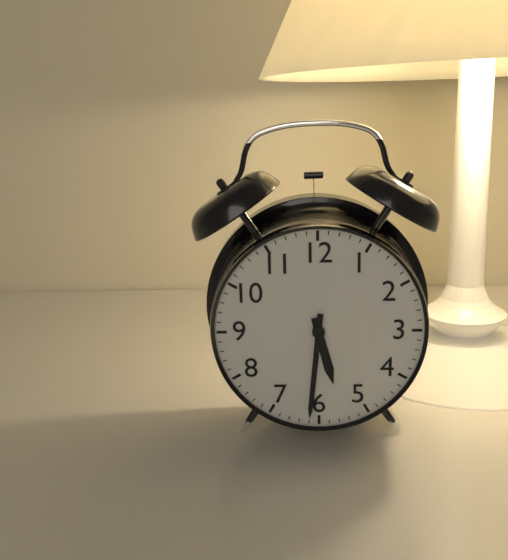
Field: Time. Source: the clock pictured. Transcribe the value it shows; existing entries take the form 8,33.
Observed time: 5,31
